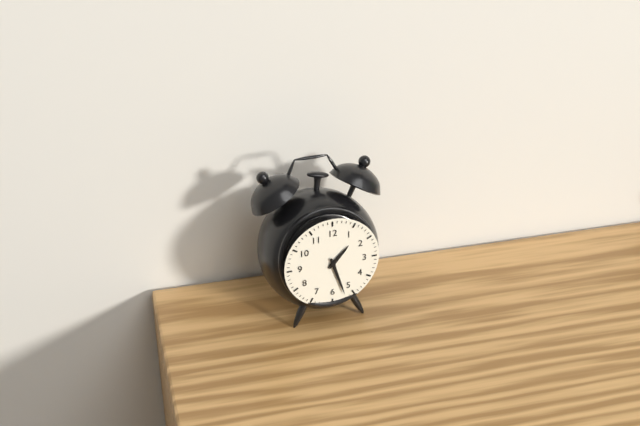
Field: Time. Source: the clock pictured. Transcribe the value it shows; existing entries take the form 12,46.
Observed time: 1,27
